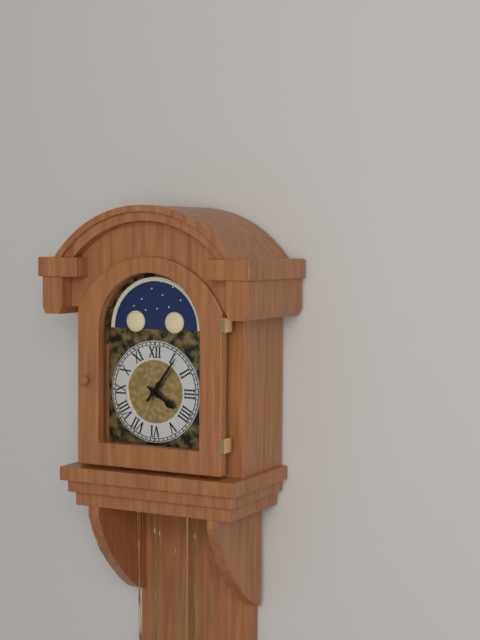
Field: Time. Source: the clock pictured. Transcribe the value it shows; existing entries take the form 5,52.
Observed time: 4,06
